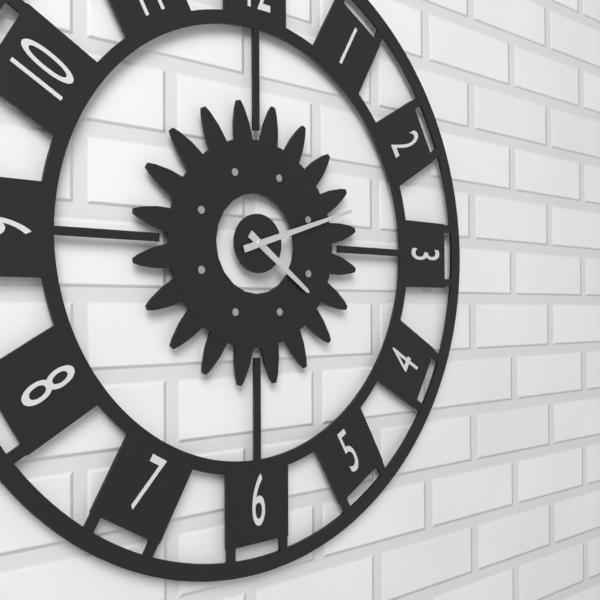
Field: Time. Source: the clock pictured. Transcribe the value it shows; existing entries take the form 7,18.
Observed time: 4,12
